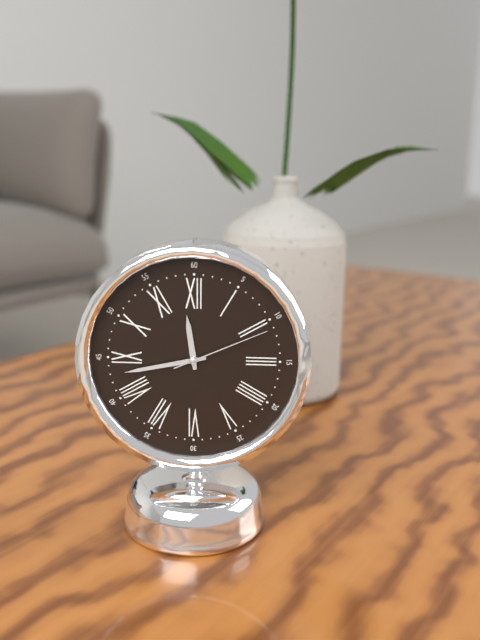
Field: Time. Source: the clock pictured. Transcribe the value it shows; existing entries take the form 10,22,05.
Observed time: 11,43,11
